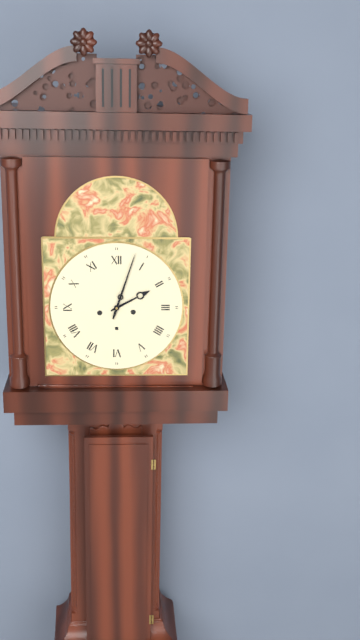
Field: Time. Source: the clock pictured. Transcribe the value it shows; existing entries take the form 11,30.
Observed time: 2,03
